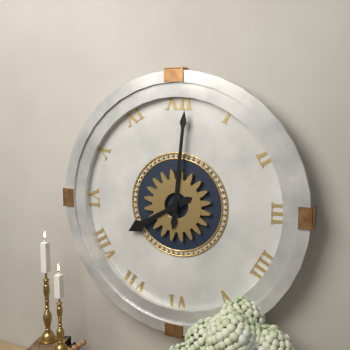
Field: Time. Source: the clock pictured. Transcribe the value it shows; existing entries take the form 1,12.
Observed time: 8,01
